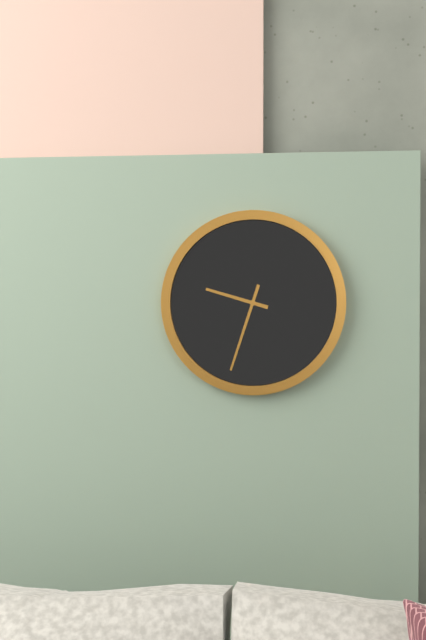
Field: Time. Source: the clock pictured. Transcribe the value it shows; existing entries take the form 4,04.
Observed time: 9,33
